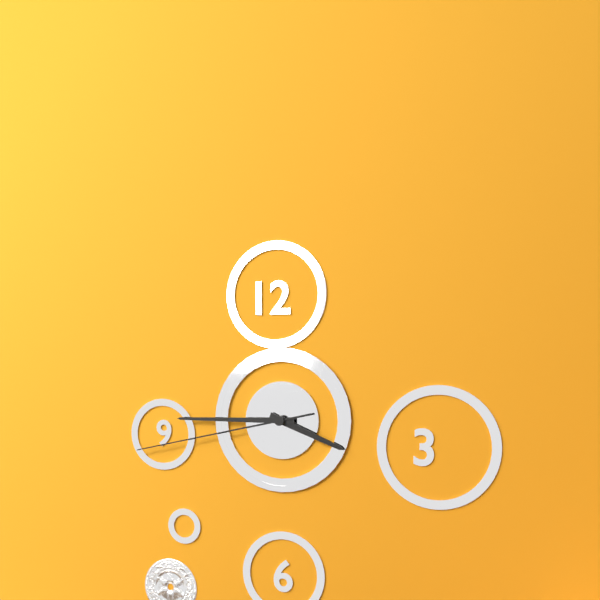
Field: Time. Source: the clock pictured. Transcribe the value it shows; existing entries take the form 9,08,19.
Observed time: 3,45,43
